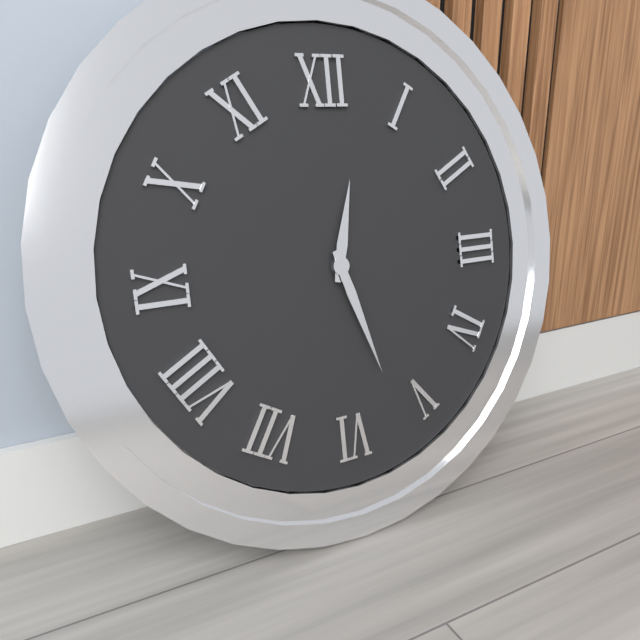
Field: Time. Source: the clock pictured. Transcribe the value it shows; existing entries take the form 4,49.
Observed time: 12,27
